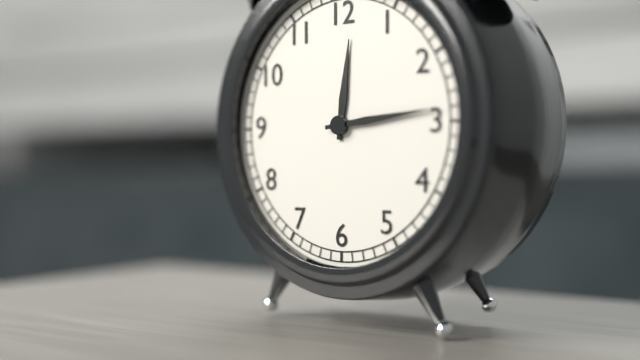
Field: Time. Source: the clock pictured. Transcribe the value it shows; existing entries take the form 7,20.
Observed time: 12,14
